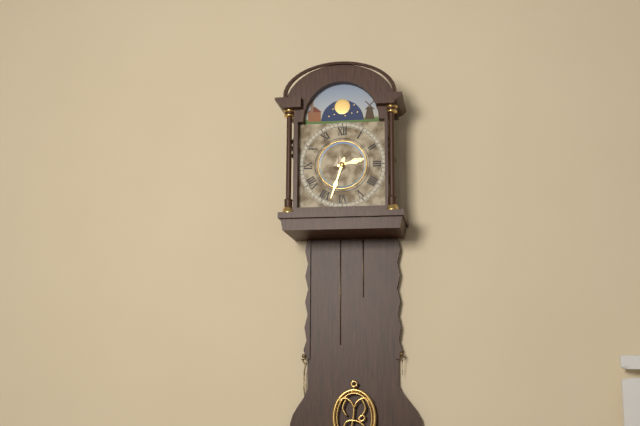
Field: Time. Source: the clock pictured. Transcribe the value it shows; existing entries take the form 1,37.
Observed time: 2,33
